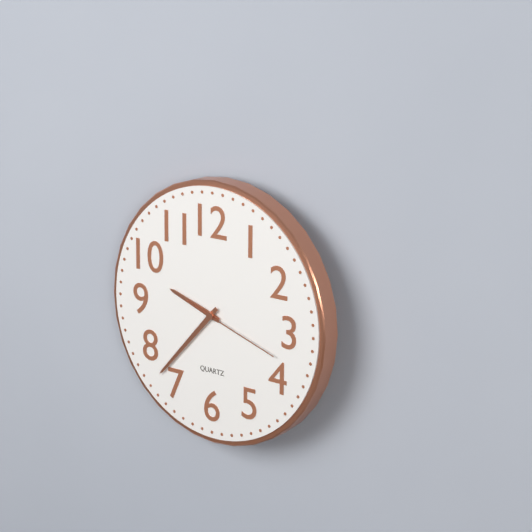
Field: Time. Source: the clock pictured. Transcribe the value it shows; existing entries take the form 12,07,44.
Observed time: 9,37,18
